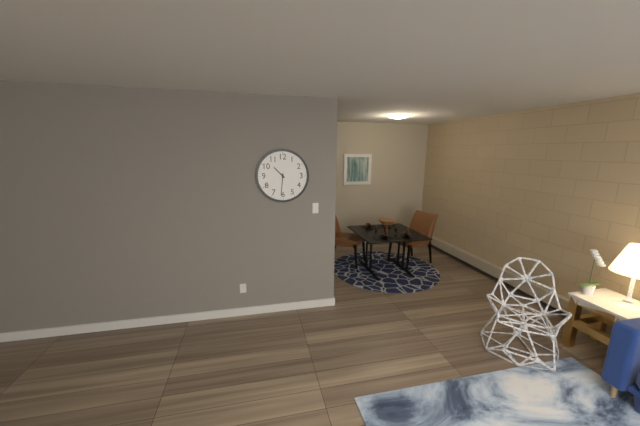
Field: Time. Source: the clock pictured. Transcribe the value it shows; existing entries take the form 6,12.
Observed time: 10,31
